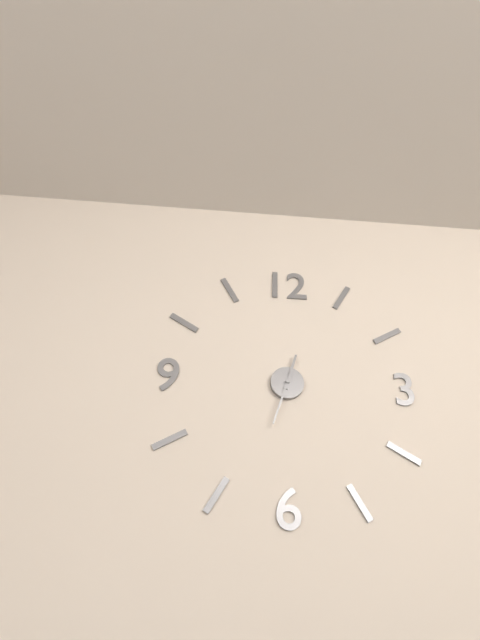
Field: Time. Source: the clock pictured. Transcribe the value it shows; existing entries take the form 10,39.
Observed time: 12,33
